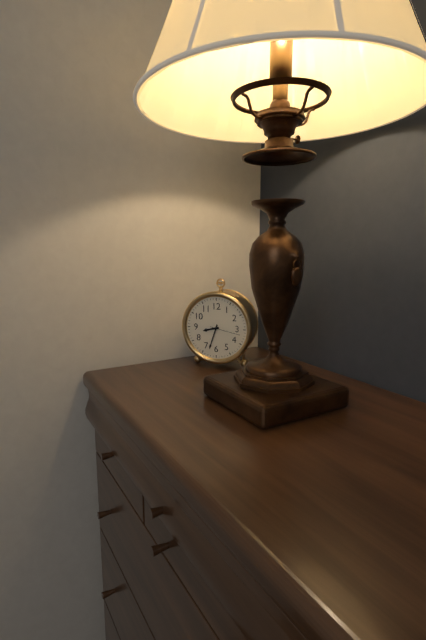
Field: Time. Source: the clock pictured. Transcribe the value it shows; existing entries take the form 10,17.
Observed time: 8,33
